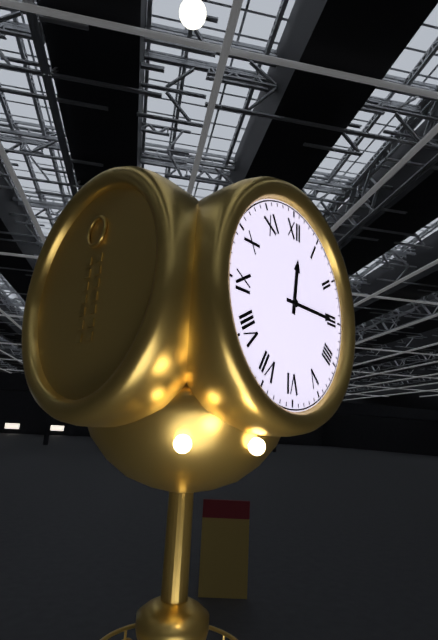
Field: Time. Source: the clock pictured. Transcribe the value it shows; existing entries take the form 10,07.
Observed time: 12,15
